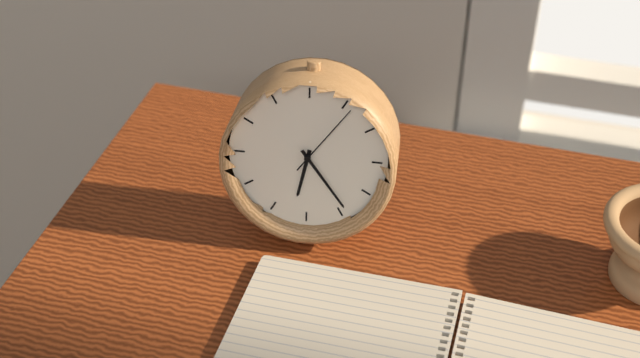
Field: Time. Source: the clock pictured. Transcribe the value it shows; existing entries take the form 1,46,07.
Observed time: 6,24,06
